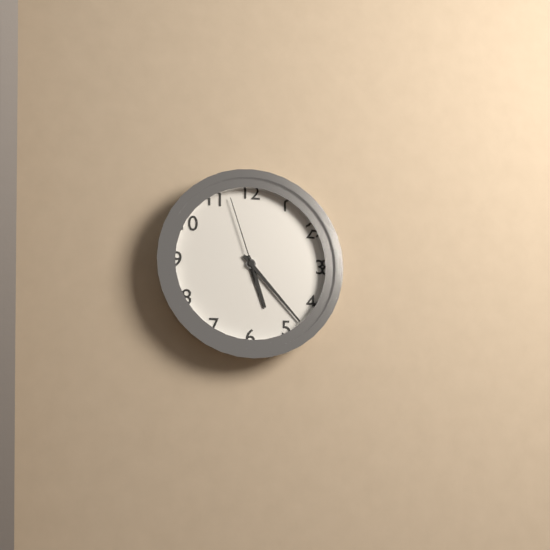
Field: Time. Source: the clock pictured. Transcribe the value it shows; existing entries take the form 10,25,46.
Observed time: 5,23,57
